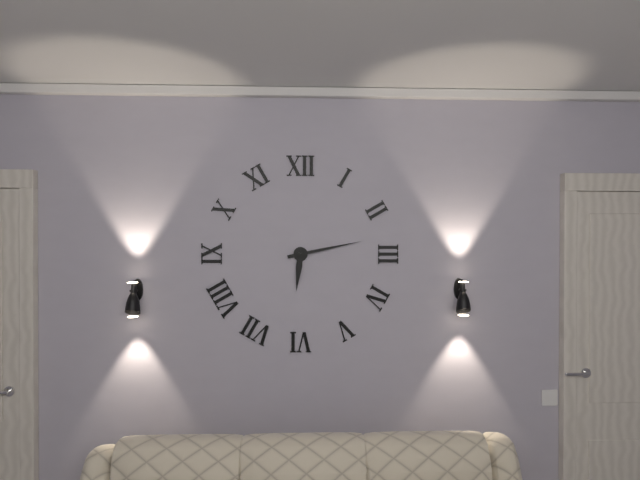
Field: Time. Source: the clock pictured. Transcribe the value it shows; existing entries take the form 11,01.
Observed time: 6,13
